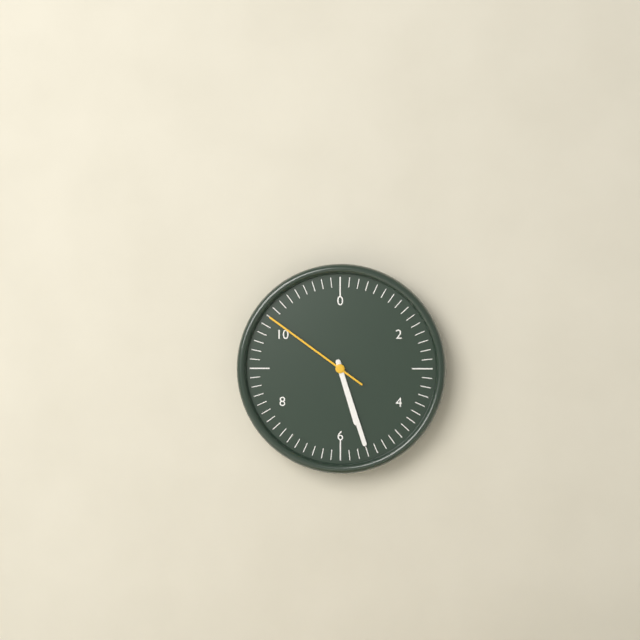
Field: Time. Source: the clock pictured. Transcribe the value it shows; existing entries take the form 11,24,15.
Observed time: 5,27,51
